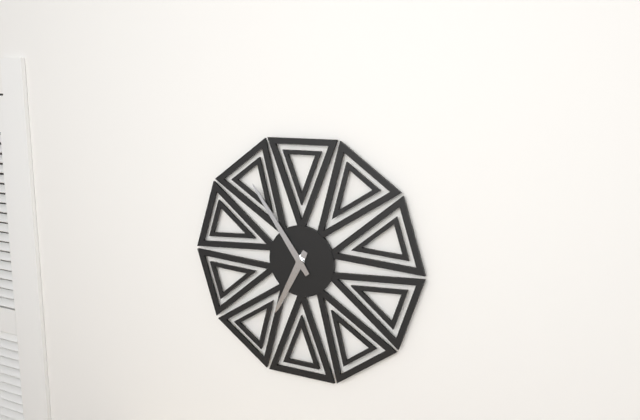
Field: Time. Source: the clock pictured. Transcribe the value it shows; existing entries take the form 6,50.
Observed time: 6,54
